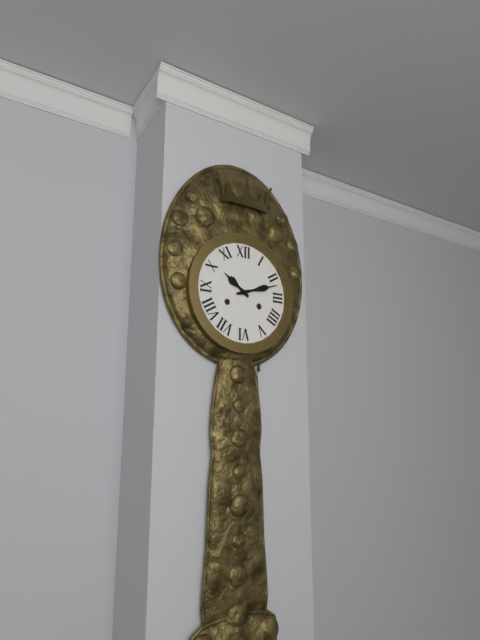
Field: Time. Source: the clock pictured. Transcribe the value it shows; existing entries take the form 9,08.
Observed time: 10,12
